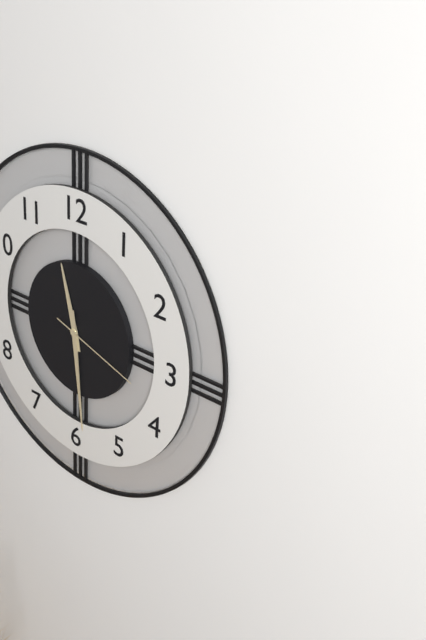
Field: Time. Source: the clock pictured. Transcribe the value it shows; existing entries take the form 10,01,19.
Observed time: 11,29,18
